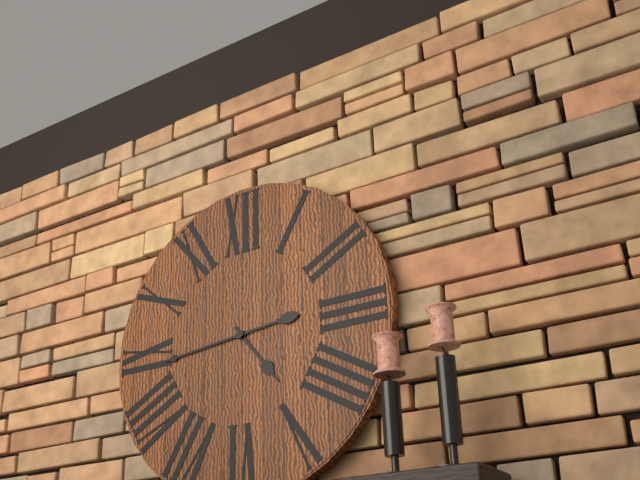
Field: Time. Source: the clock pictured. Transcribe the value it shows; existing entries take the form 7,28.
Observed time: 4,44
